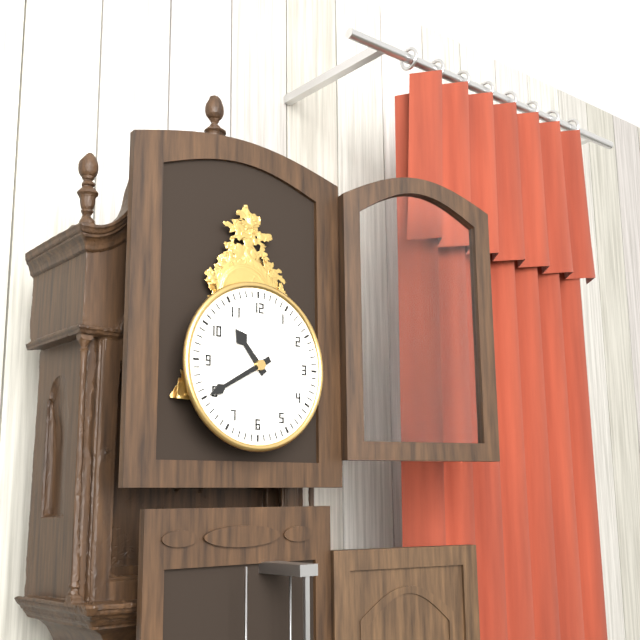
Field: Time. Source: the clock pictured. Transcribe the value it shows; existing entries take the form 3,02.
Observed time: 10,40
